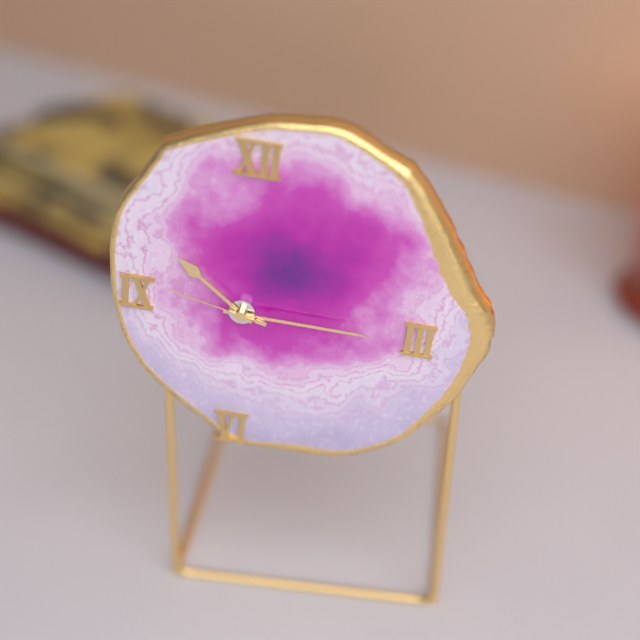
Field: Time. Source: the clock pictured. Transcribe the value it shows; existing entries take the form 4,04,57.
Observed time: 10,15,47
